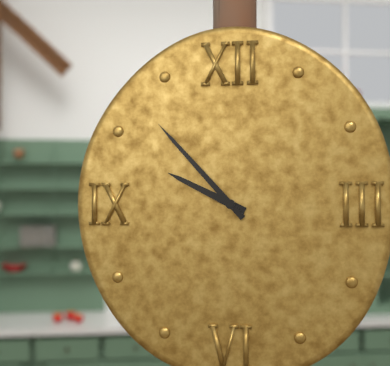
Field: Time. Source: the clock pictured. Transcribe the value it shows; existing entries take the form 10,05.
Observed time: 9,53
